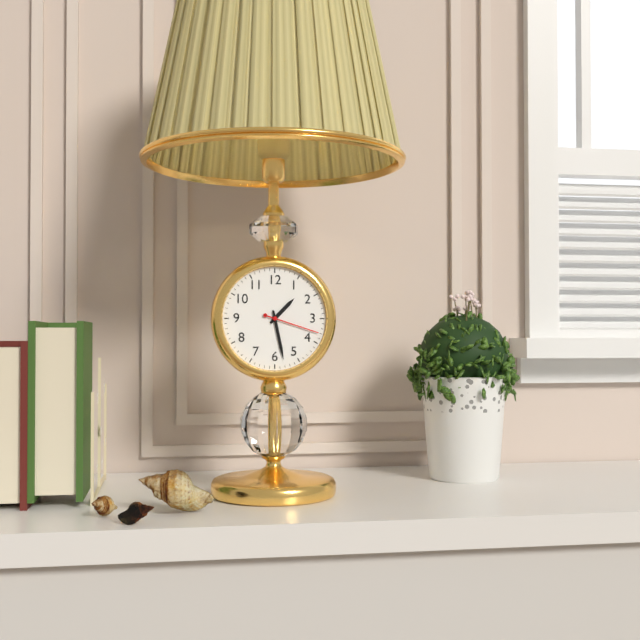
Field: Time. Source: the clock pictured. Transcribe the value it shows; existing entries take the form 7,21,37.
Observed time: 1,28,18
